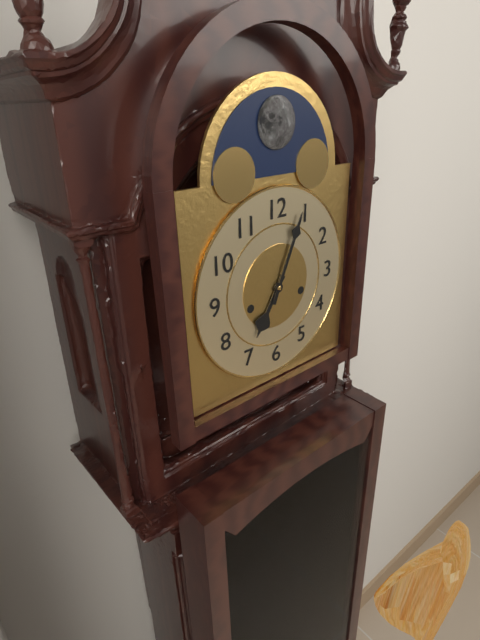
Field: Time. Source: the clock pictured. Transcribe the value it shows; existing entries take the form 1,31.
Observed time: 7,04
